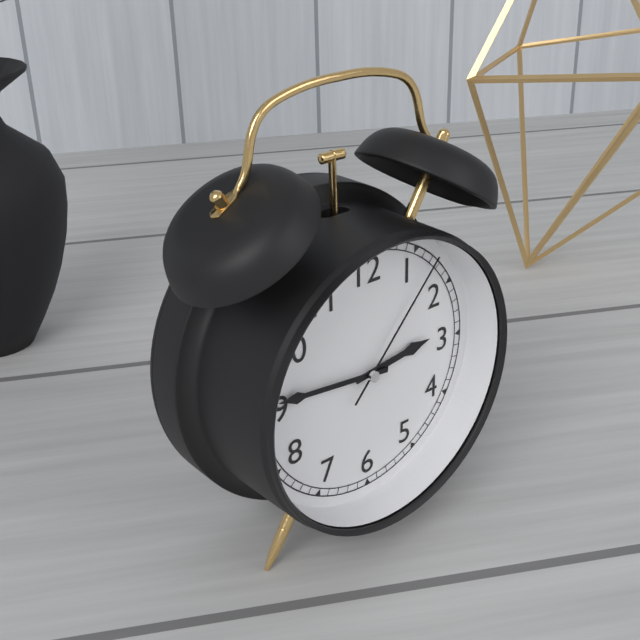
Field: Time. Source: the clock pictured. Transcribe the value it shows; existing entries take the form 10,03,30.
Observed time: 2,46,07
